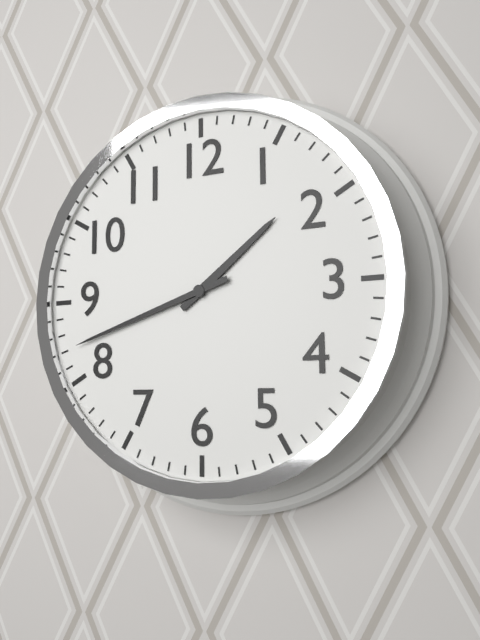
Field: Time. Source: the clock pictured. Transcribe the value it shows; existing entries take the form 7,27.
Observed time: 1,42
